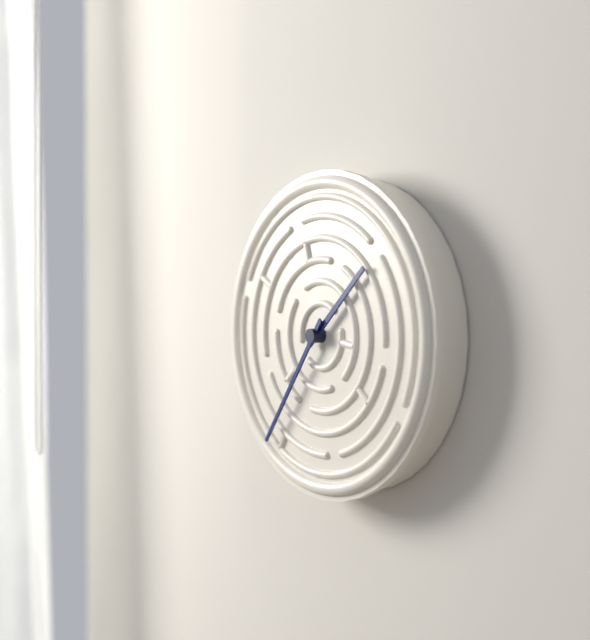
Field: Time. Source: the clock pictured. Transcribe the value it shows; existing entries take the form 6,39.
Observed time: 1,36
